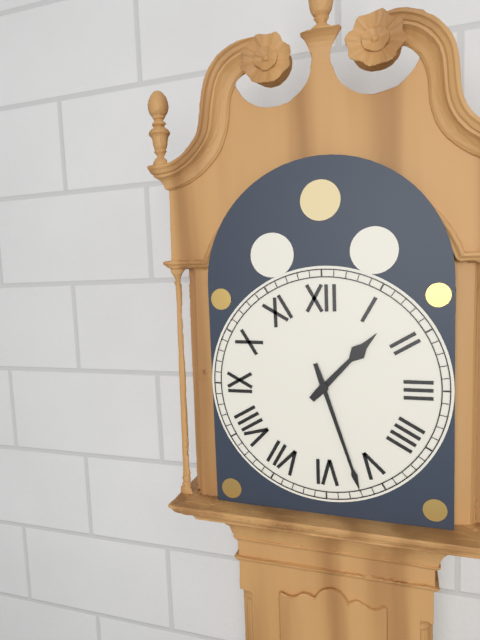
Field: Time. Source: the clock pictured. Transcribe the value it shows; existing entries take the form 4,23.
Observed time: 1,27
